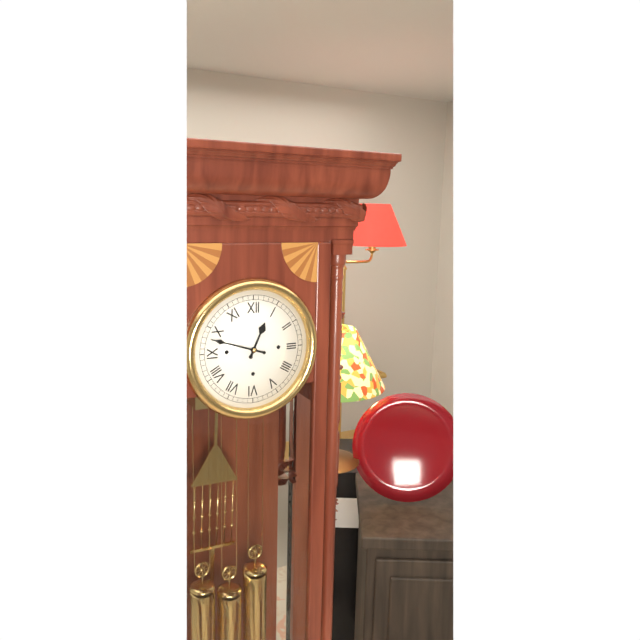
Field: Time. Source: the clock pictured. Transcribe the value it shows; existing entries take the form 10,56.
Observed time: 12,48
